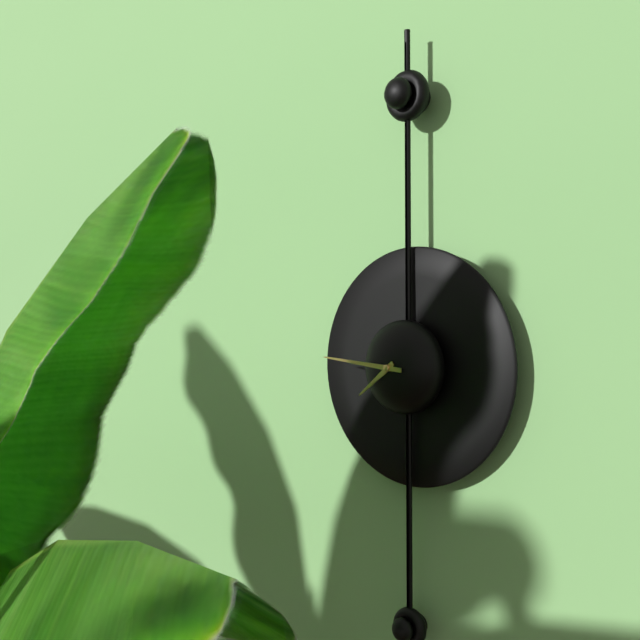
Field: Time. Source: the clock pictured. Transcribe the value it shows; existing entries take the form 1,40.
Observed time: 7,46
